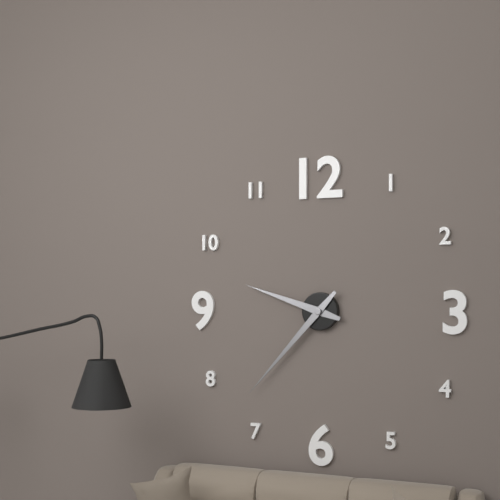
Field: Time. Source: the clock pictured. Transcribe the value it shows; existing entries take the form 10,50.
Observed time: 9,37
